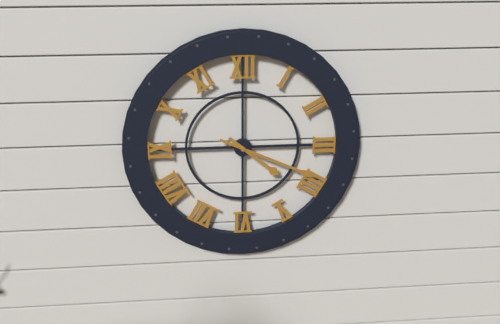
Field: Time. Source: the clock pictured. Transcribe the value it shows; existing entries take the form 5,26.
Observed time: 4,19
